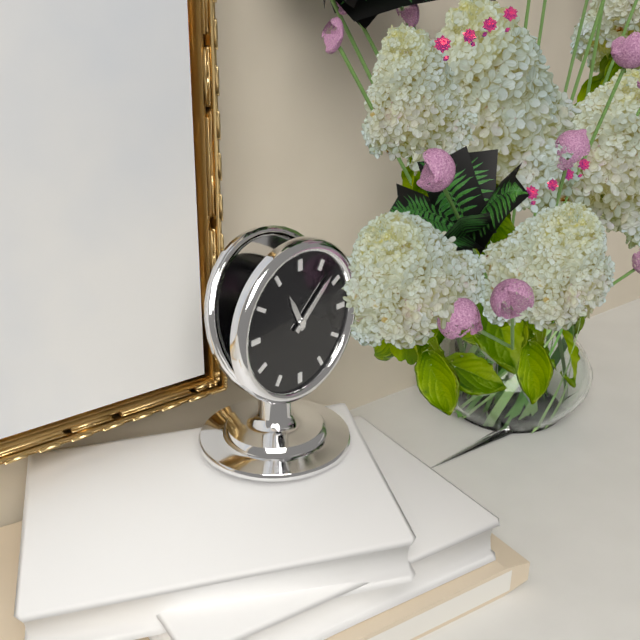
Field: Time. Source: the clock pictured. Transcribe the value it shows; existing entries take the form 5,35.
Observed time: 11,08
